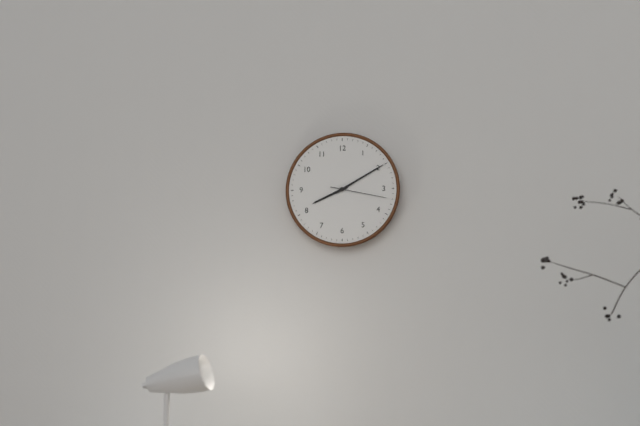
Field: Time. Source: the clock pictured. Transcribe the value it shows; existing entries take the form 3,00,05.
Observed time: 8,10,17
